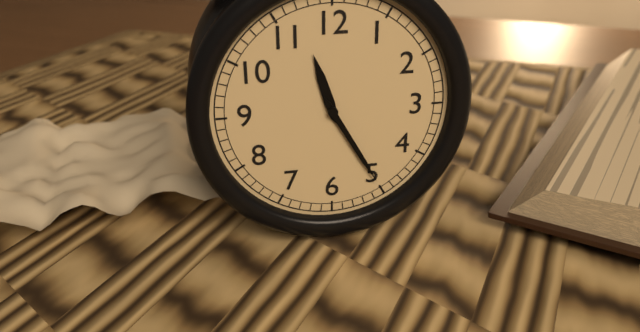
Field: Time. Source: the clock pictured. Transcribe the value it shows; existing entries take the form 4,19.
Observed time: 11,25
